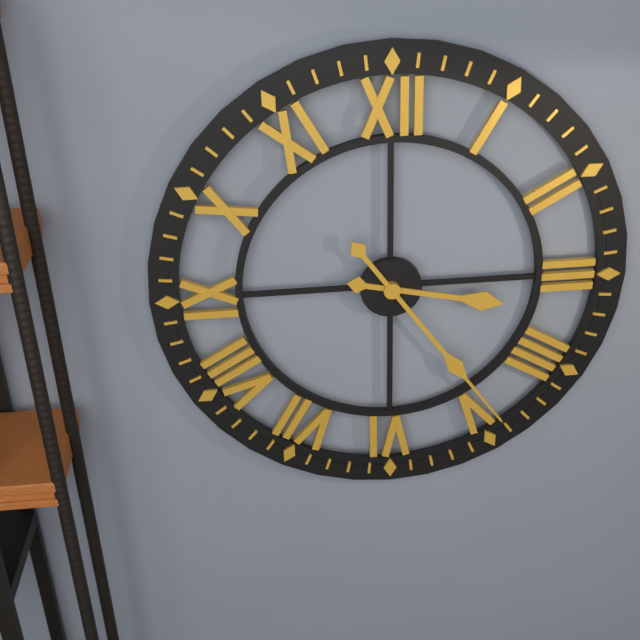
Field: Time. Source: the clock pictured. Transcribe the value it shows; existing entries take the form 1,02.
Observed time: 3,24
